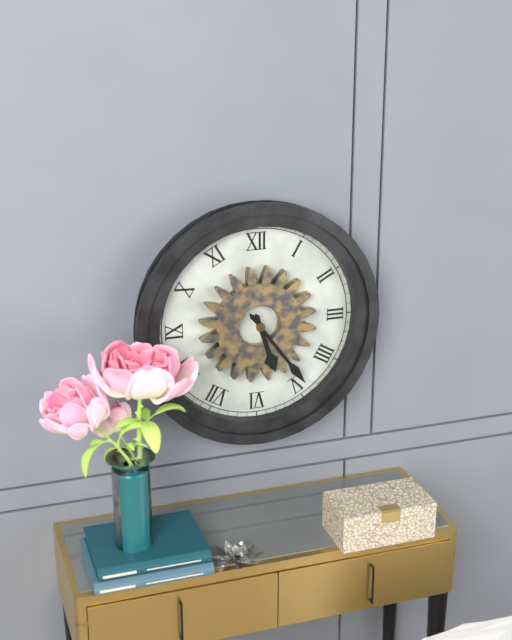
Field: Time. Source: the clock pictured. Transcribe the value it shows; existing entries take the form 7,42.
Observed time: 5,24
